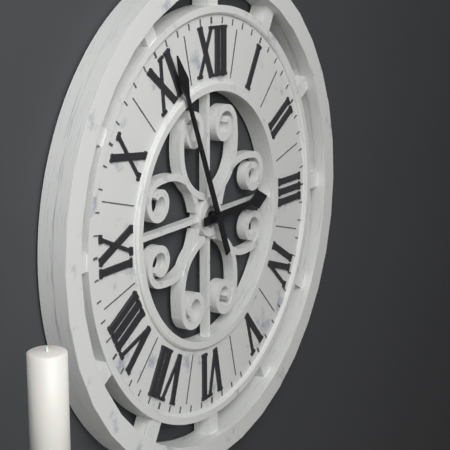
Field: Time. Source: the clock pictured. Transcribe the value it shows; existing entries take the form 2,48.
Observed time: 2,56
